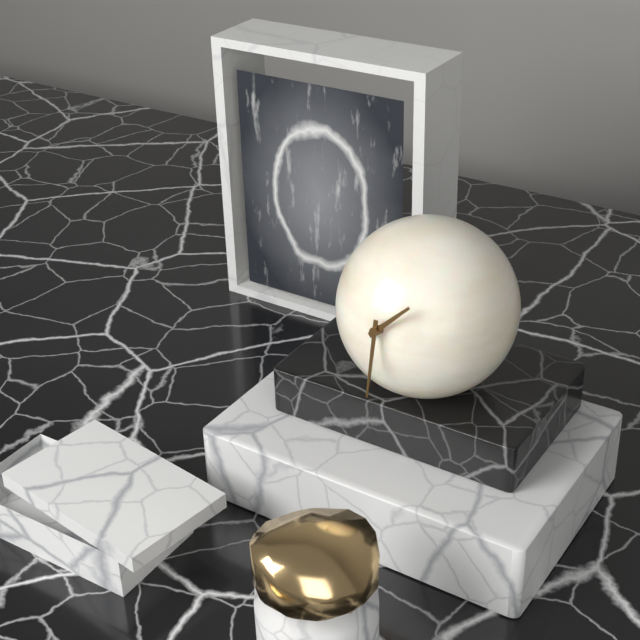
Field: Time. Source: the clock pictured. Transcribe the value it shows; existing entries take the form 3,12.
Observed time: 1,30
